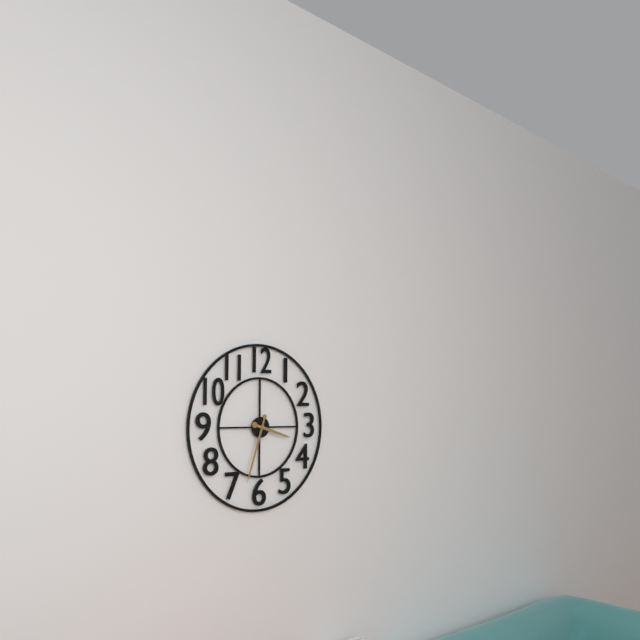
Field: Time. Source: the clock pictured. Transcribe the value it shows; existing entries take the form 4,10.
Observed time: 3,33
